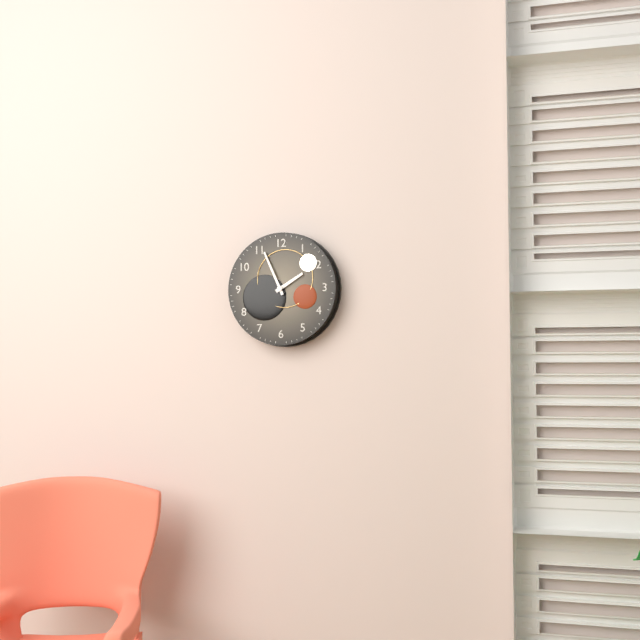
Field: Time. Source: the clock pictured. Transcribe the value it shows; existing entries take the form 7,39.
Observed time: 1,56
